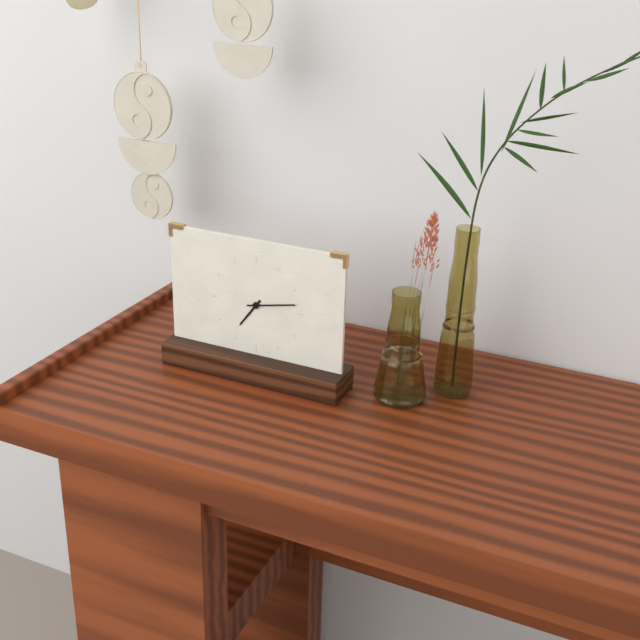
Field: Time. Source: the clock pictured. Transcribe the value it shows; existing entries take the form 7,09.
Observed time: 7,13
